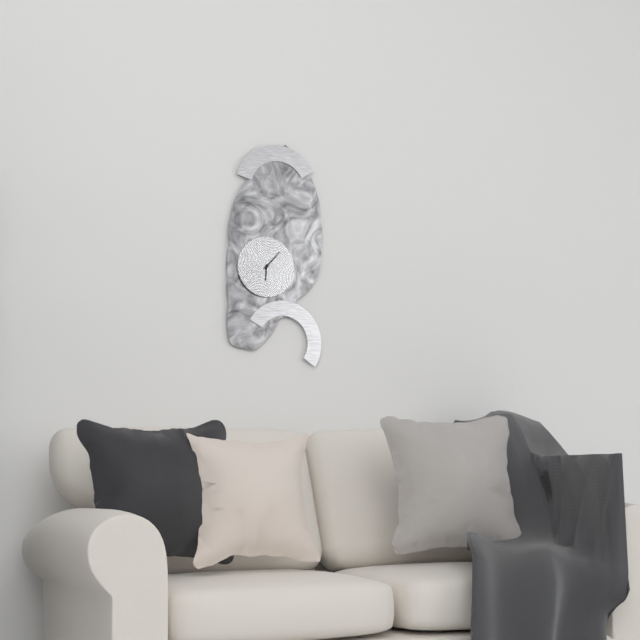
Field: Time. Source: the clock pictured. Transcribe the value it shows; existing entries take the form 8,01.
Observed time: 6,07
